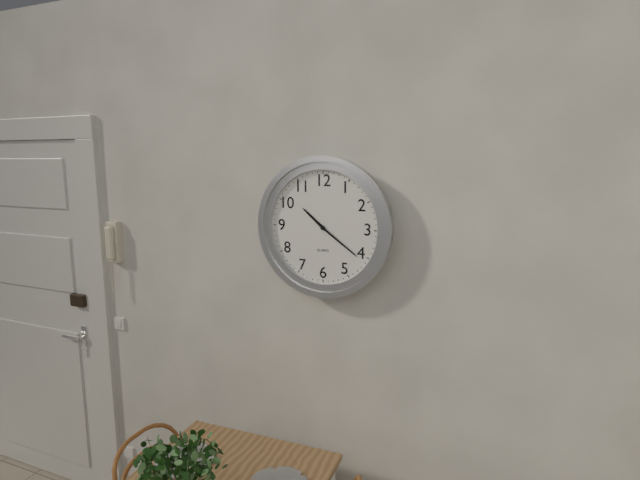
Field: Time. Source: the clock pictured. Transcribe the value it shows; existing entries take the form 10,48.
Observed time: 10,21
